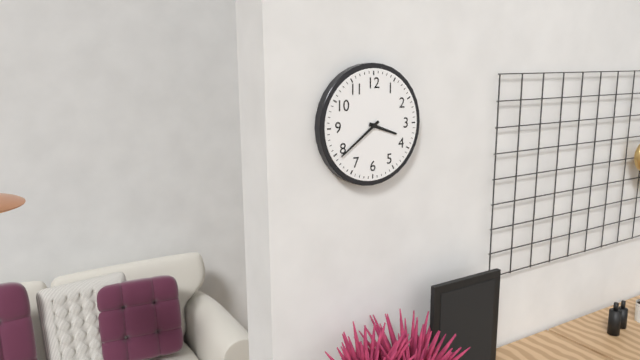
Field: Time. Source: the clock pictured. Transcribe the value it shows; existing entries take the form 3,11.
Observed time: 3,39
